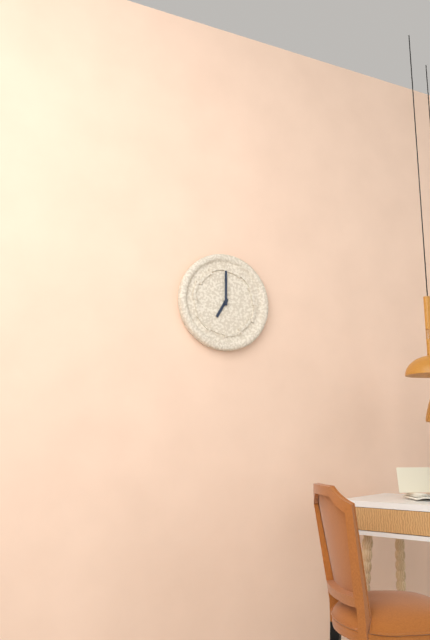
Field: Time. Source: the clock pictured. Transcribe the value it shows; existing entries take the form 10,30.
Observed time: 7,00
